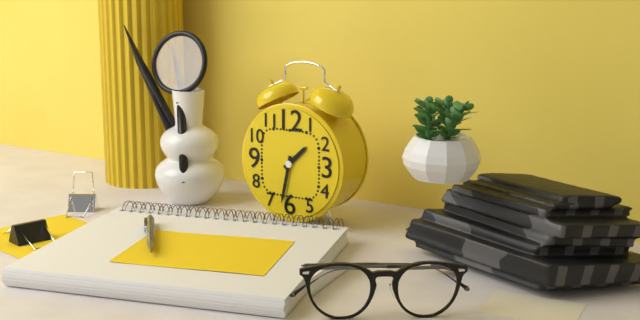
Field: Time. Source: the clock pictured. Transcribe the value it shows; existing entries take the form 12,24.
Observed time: 1,32
